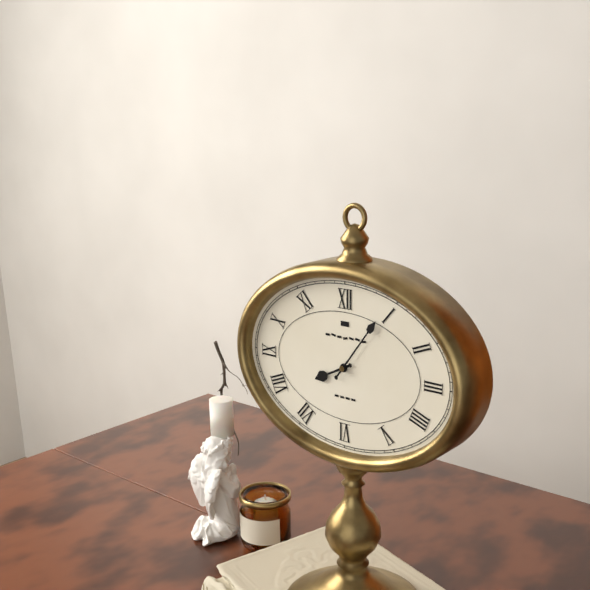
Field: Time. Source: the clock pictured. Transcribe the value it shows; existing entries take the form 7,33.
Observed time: 8,06
